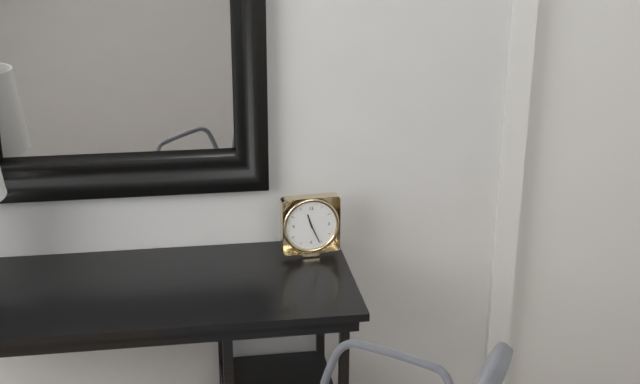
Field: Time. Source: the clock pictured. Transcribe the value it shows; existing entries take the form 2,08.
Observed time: 11,26
